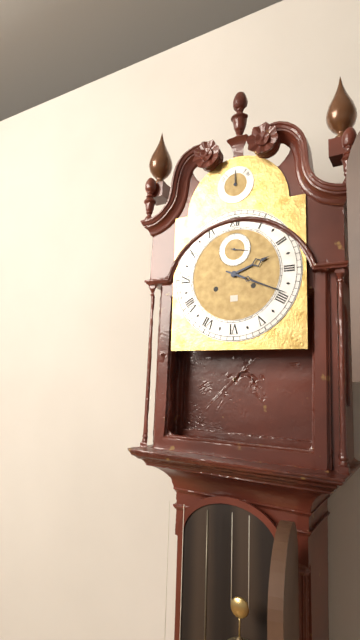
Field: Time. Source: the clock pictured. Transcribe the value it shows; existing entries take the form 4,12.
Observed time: 2,19
